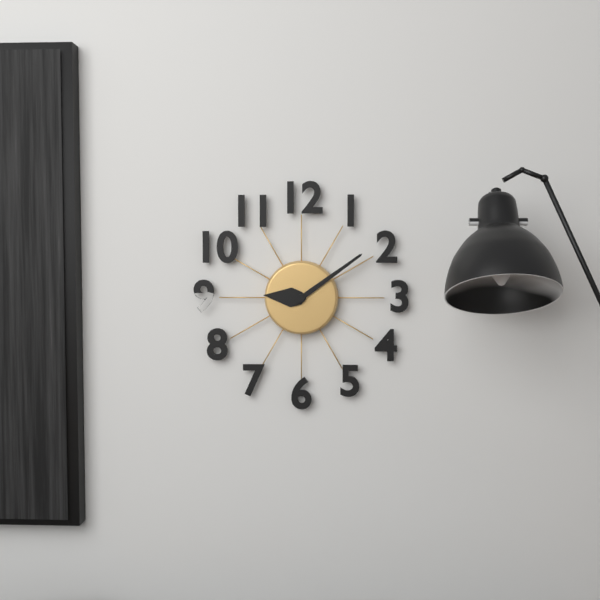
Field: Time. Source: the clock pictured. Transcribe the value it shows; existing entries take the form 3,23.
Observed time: 9,09
